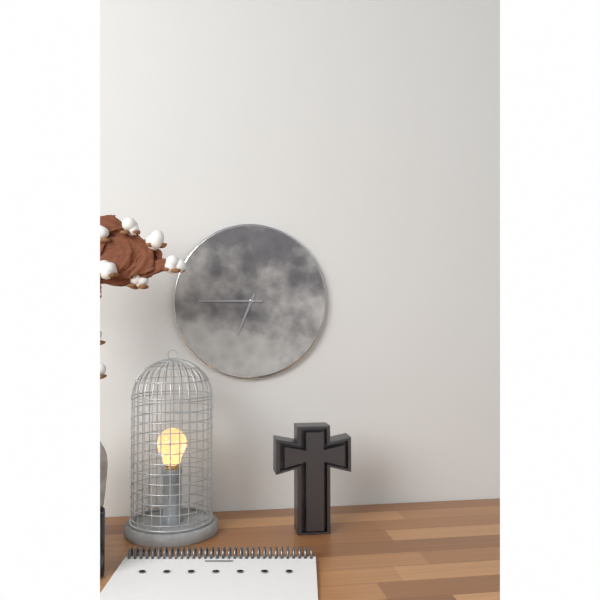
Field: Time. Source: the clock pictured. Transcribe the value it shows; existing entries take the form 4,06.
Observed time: 6,45
